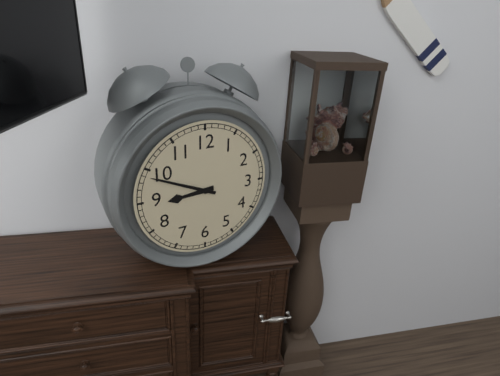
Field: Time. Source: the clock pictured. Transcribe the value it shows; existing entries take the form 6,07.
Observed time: 8,49
